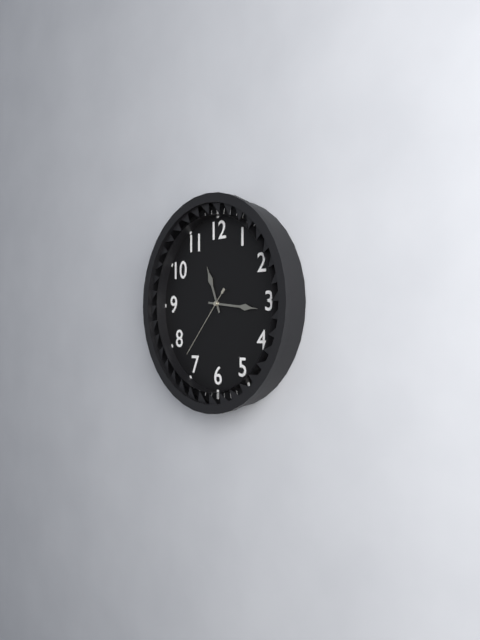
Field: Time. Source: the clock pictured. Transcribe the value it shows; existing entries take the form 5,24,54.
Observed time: 11,16,37
